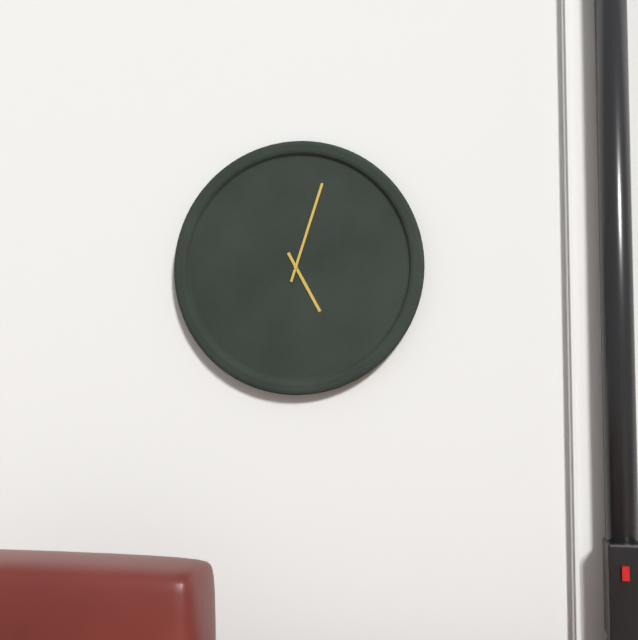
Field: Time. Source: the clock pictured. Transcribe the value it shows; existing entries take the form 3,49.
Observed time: 5,03
